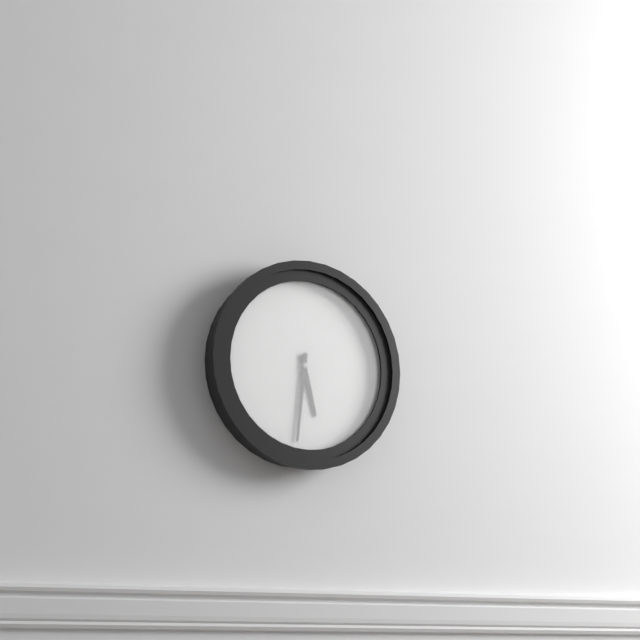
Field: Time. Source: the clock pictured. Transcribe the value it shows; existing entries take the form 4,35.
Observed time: 5,31
